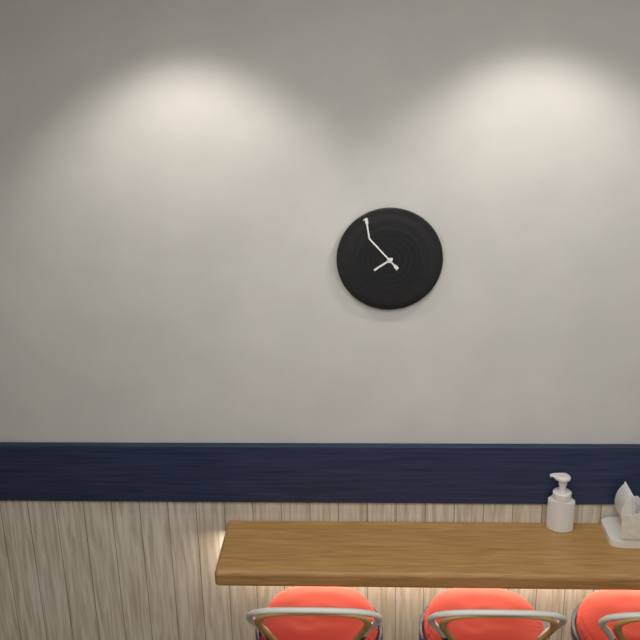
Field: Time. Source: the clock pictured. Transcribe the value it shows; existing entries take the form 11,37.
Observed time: 7,53
